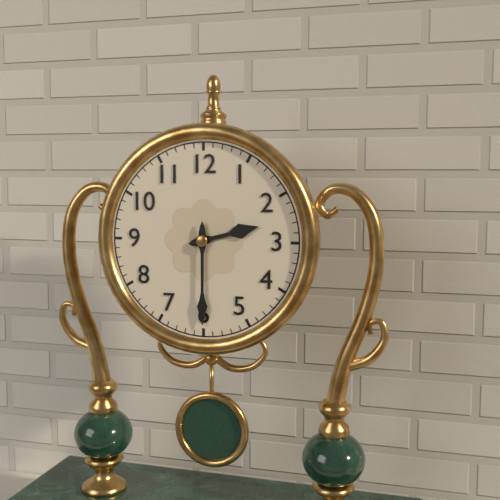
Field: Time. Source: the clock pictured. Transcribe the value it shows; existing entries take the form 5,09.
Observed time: 2,30
